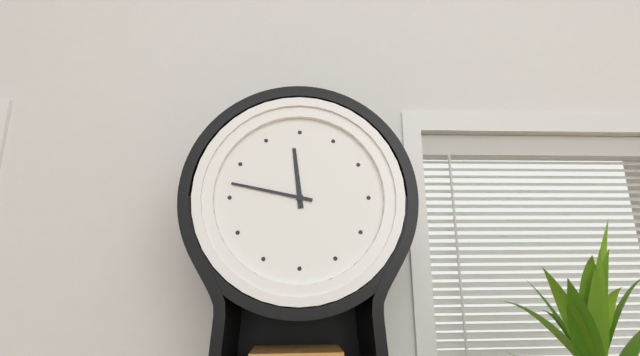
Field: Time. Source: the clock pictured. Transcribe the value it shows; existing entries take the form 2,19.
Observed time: 11,47
